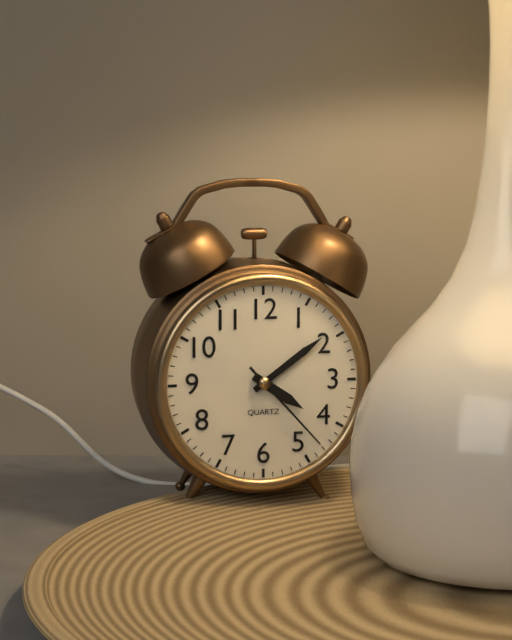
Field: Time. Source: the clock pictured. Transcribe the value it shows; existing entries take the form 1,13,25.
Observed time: 4,09,23
